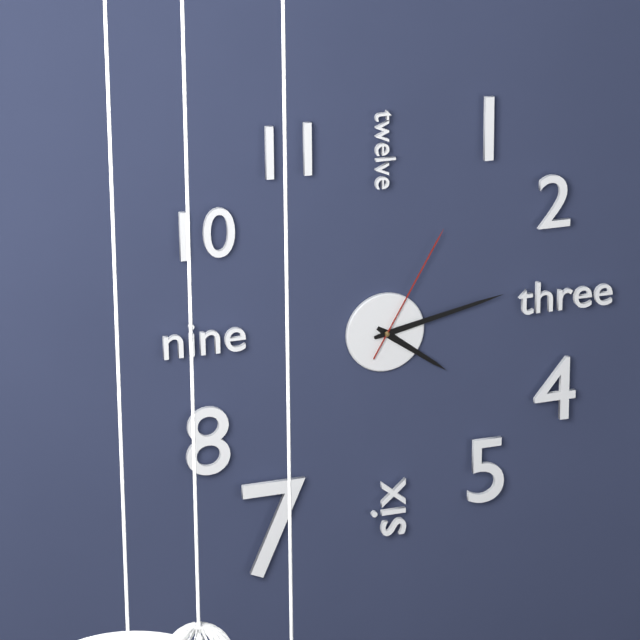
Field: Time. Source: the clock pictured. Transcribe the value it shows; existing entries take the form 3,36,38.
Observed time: 4,13,05
